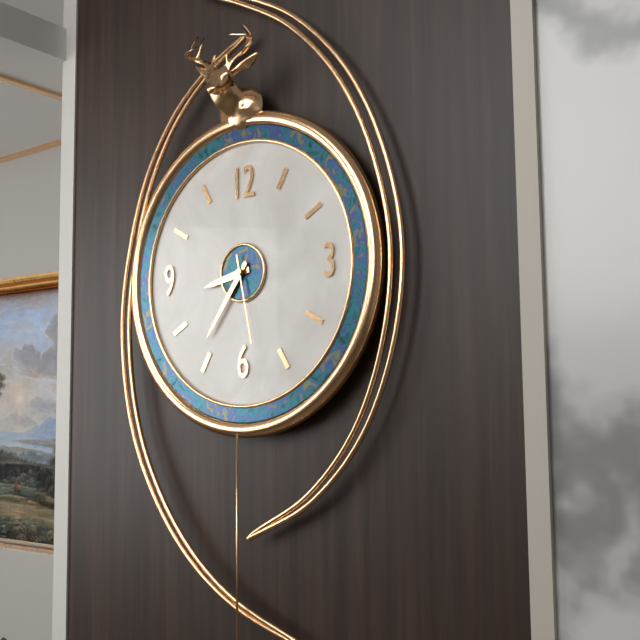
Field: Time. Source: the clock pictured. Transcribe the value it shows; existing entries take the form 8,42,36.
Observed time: 8,36,28
